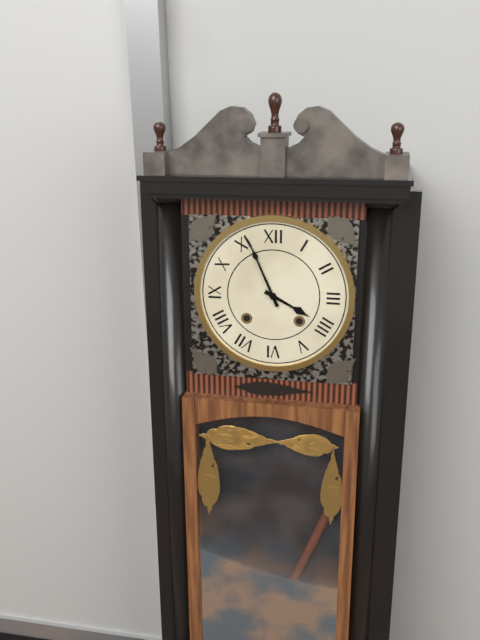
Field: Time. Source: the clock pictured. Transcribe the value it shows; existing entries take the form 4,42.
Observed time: 3,56
